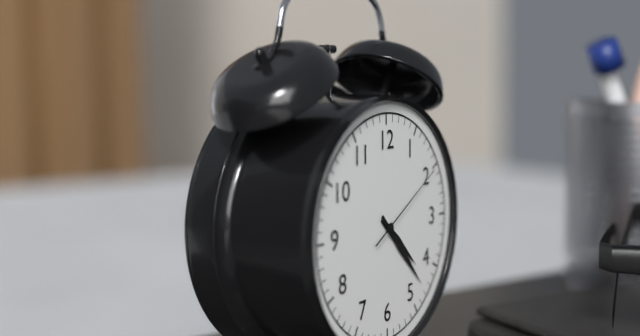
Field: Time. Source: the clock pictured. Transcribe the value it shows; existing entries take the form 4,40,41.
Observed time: 4,23,10
